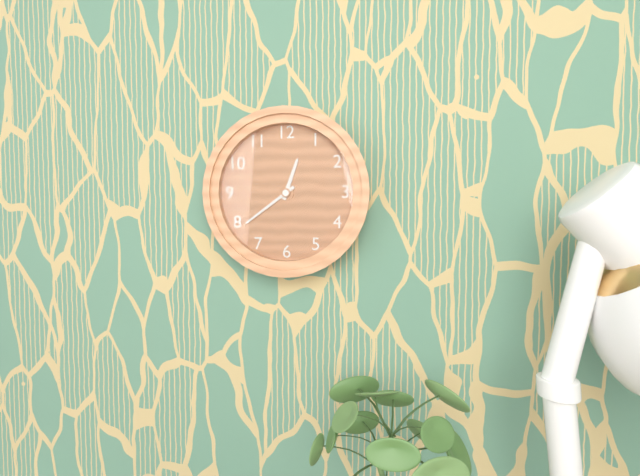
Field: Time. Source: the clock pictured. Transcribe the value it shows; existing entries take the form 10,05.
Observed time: 12,39
